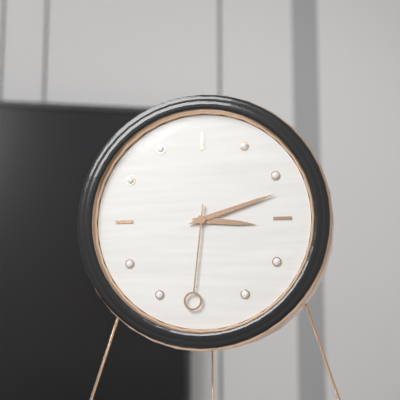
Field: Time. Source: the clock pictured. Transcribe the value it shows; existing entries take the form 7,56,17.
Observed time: 3,12,31
